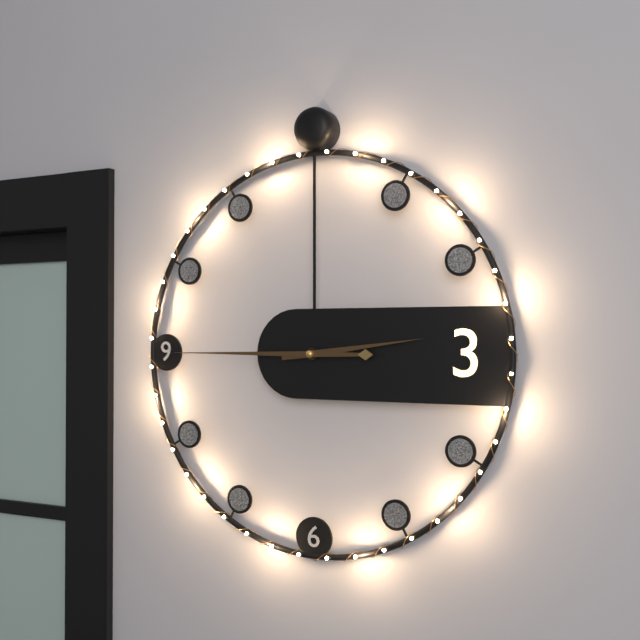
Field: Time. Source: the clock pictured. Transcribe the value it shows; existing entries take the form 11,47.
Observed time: 2,45
